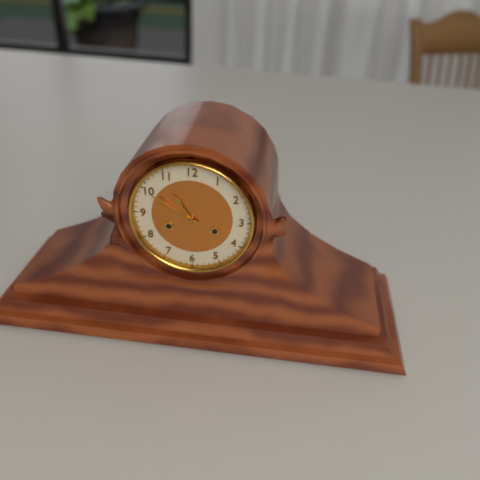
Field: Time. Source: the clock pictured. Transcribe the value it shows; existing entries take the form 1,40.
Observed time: 10,50
